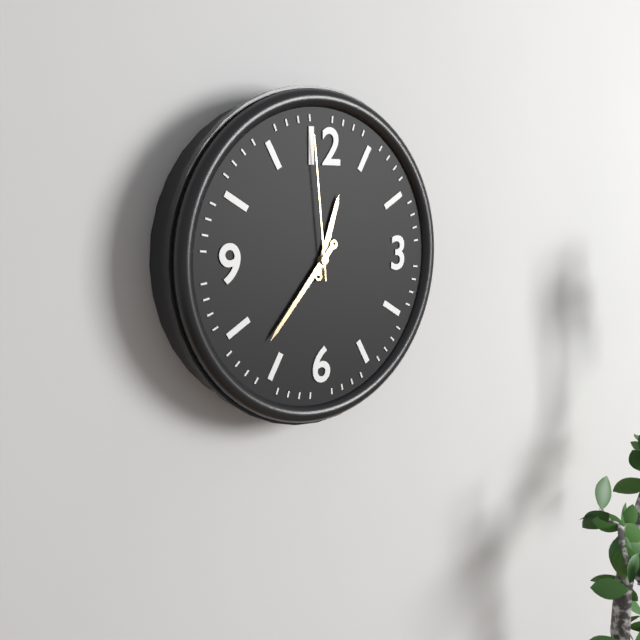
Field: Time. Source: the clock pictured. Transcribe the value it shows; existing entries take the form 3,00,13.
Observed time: 12,37,59
